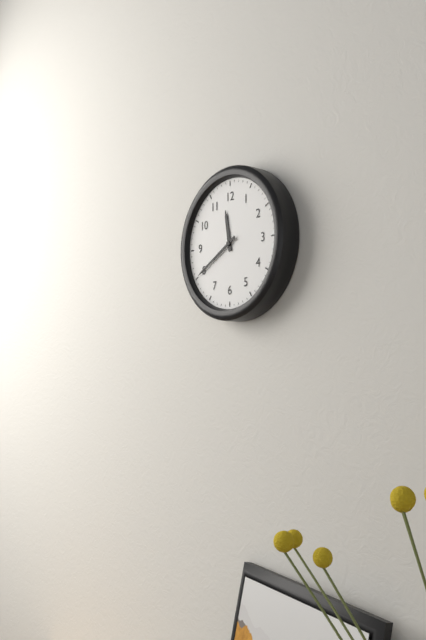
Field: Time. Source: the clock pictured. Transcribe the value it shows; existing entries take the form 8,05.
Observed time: 11,40
